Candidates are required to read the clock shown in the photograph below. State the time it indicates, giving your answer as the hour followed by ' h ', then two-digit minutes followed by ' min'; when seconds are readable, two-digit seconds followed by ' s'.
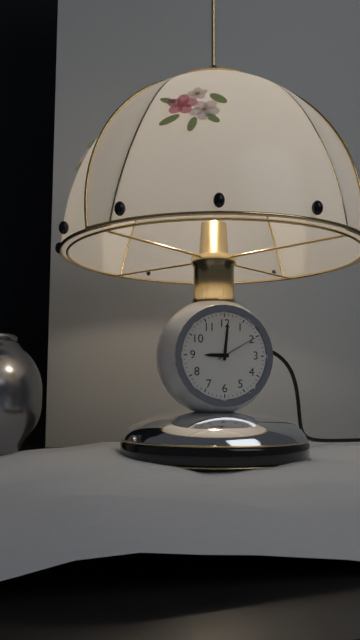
9 h 01 min
